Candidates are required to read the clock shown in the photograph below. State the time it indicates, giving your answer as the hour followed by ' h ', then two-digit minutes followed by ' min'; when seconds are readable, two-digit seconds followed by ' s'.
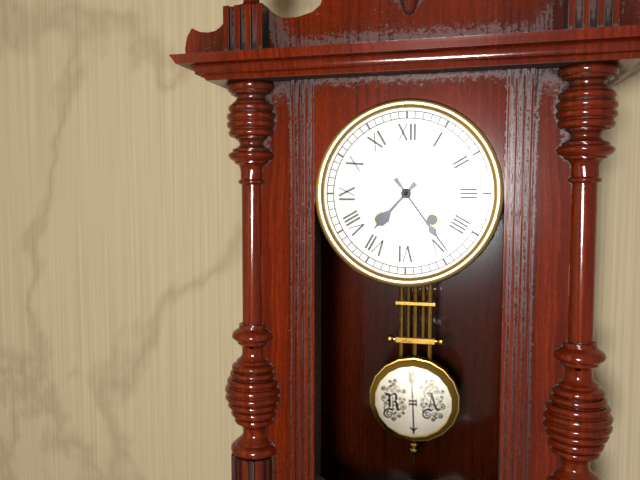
7 h 24 min
